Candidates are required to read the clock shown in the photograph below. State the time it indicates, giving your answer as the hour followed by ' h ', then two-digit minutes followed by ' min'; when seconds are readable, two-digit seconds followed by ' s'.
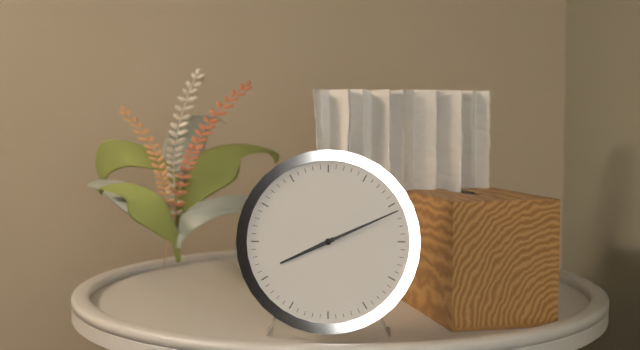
8 h 11 min
